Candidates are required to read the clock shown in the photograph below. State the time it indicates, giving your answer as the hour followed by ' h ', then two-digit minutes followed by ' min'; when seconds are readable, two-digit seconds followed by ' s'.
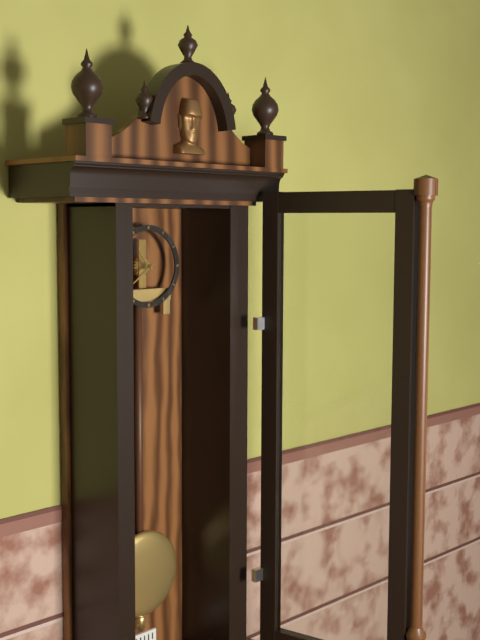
10 h 39 min
